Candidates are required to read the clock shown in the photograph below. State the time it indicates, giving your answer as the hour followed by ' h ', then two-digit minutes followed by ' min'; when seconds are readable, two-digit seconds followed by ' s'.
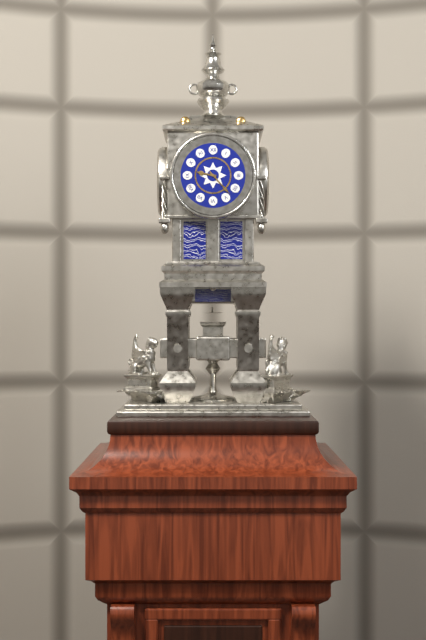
9 h 23 min
